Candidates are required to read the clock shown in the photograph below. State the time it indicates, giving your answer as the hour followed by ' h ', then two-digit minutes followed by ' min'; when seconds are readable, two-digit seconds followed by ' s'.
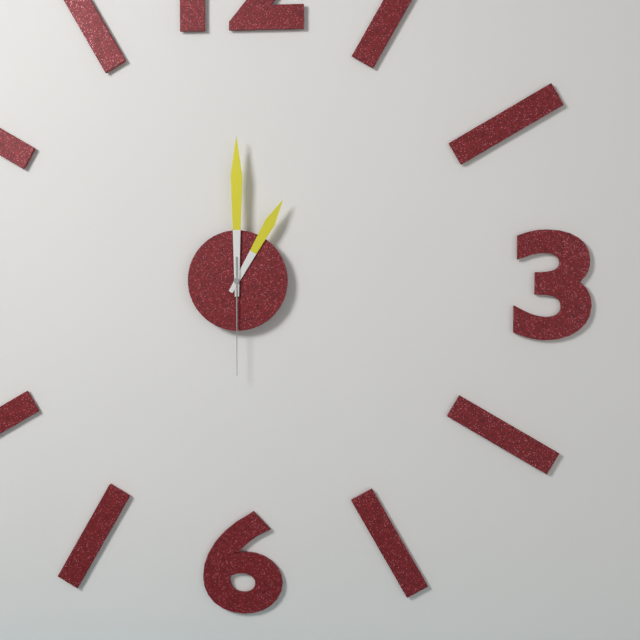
1 h 00 min 30 s
